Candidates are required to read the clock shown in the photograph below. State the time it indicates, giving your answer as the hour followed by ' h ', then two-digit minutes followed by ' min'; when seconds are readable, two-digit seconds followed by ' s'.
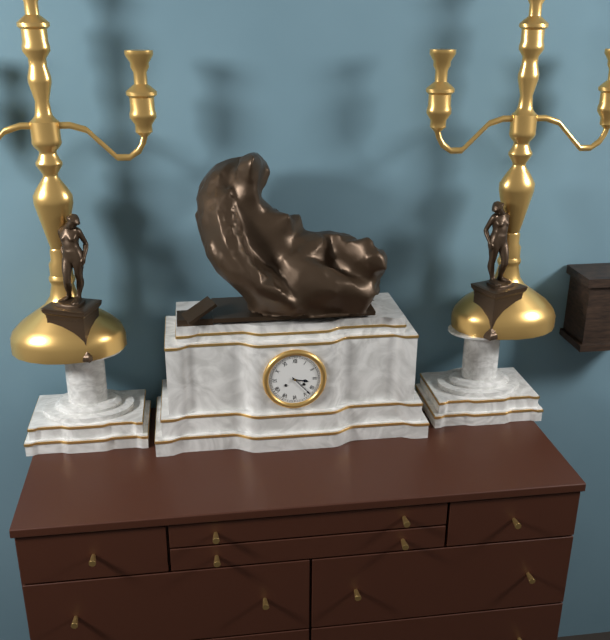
3 h 23 min
